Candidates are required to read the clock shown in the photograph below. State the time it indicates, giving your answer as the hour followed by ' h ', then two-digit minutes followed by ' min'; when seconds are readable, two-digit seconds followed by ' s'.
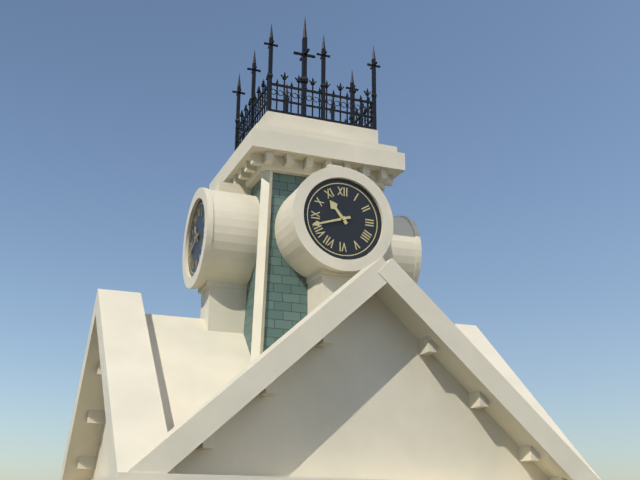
10 h 42 min
